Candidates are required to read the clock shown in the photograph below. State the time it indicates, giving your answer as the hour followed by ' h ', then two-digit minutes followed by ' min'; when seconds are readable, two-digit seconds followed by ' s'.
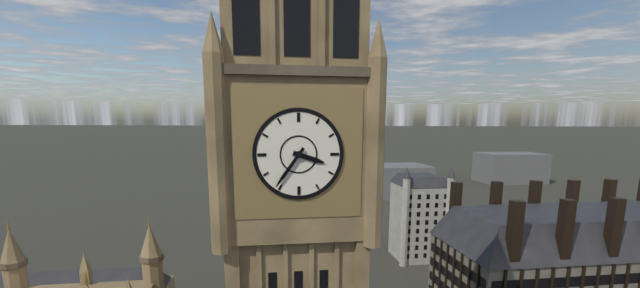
3 h 36 min
